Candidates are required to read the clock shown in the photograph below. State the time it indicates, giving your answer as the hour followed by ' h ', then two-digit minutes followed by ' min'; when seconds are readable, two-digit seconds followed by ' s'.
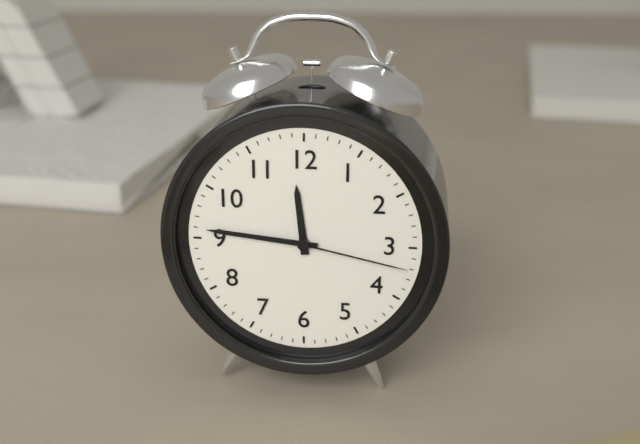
11 h 46 min 17 s
